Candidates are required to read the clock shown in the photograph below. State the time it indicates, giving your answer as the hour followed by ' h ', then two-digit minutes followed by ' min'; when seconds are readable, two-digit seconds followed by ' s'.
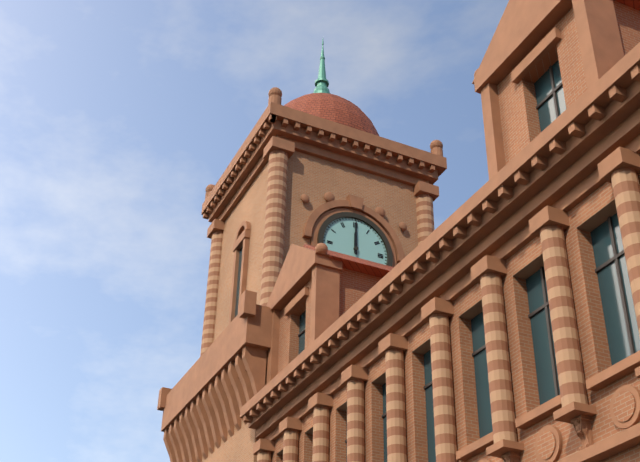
12 h 00 min
